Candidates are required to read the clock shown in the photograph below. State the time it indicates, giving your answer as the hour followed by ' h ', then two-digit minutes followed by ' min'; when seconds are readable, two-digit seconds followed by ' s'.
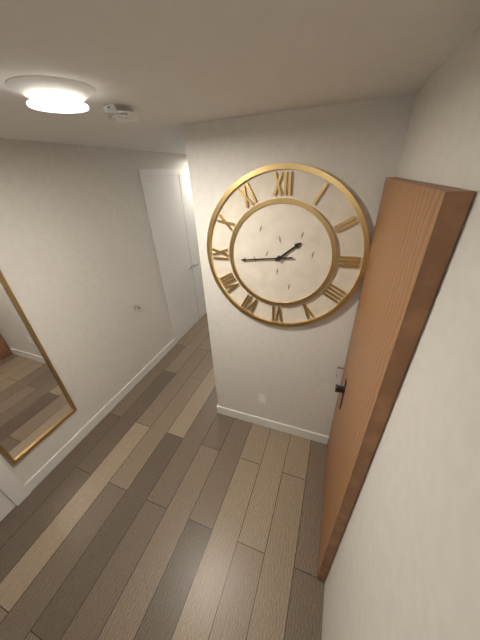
1 h 44 min
